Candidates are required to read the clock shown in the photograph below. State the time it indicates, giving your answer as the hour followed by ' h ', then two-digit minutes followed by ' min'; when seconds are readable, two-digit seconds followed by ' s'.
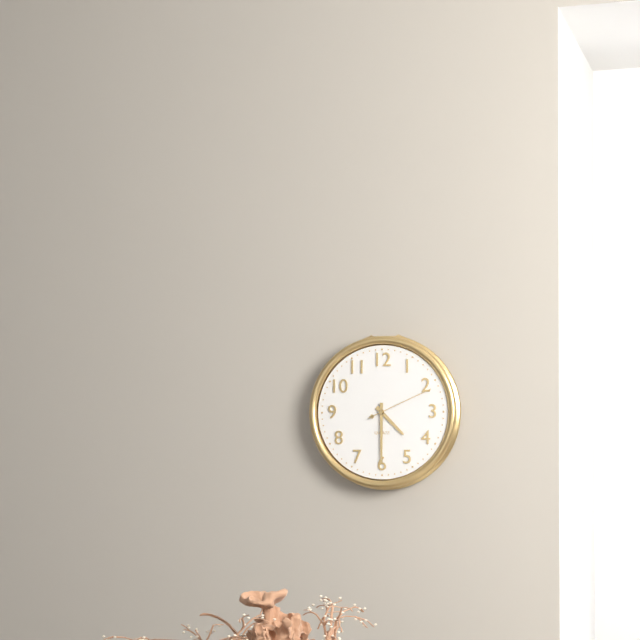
4 h 30 min 11 s
